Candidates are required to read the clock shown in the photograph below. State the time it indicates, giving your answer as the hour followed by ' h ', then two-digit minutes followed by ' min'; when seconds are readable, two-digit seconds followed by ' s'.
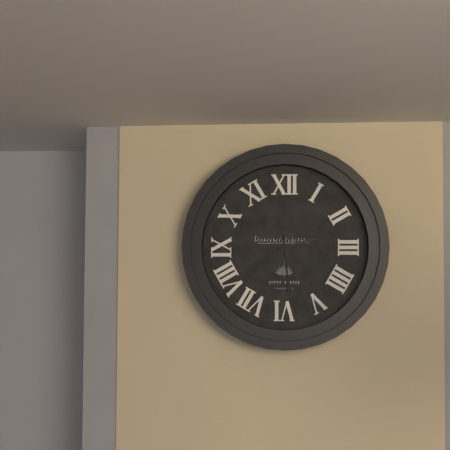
2 h 29 min
